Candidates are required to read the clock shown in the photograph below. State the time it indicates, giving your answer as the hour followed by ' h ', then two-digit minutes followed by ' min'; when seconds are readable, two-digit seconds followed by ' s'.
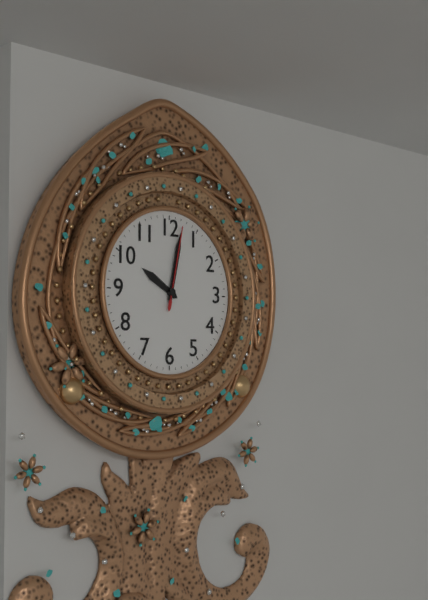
10 h 02 min 02 s
